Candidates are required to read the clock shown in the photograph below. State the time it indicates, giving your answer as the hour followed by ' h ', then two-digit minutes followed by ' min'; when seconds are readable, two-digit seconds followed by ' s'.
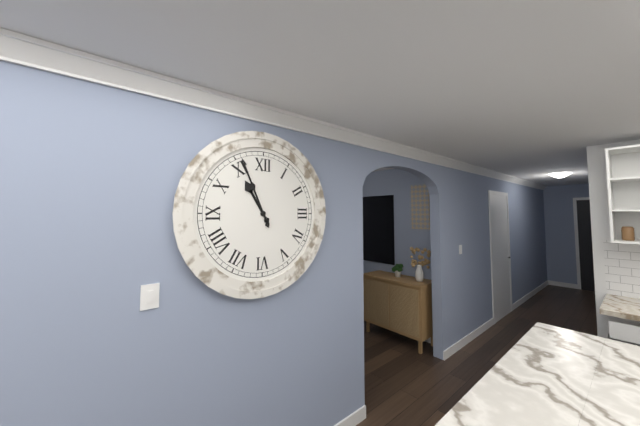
10 h 56 min
